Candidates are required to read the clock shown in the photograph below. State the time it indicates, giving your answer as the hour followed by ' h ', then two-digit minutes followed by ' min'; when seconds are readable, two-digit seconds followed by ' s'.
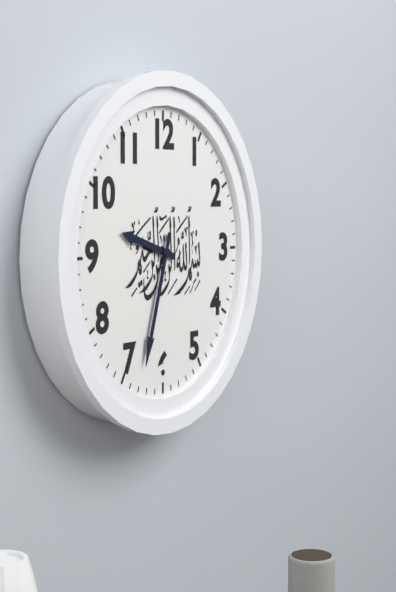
9 h 33 min
